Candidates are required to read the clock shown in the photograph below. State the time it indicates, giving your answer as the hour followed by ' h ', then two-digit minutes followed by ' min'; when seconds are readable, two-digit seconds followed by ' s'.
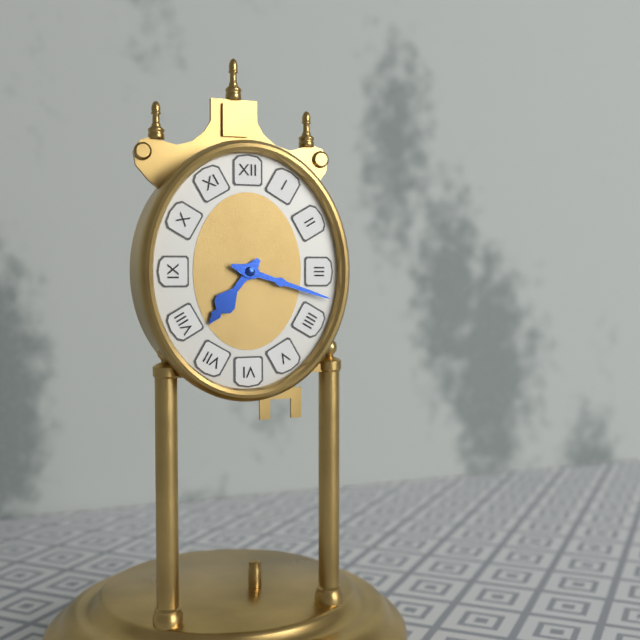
7 h 18 min
